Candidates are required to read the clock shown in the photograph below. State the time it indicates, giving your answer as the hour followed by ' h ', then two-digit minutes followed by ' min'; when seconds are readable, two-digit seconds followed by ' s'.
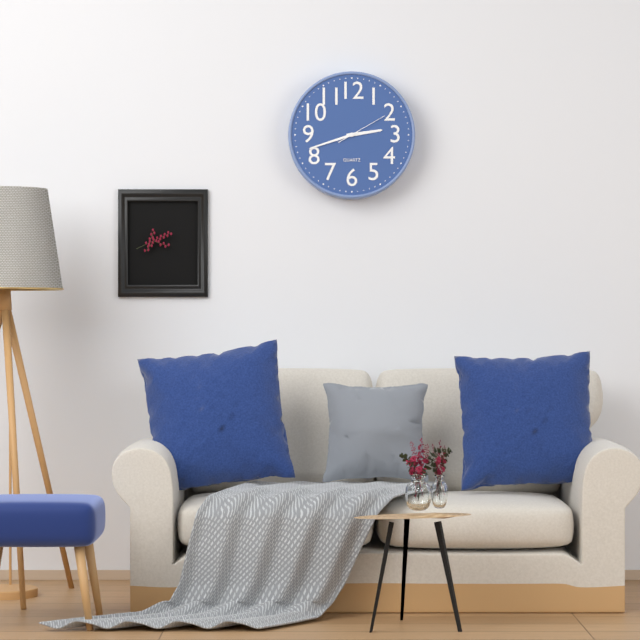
2 h 42 min
